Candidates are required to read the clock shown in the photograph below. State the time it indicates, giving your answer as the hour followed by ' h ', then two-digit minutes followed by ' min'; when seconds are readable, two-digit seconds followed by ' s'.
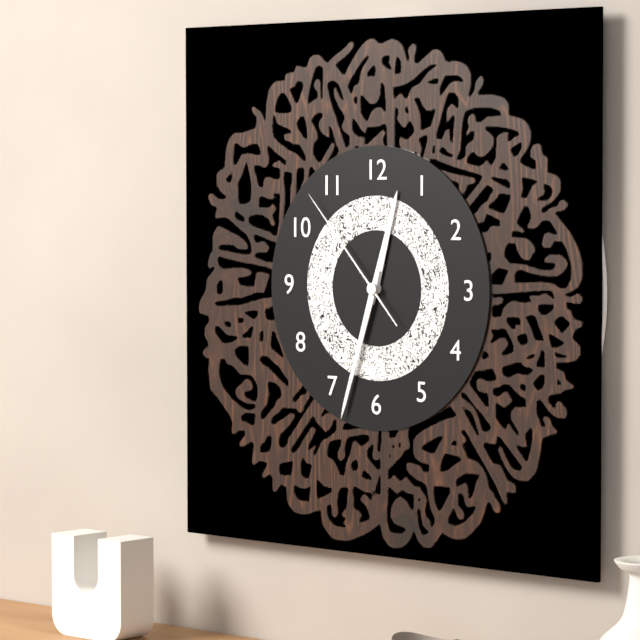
12 h 33 min 53 s
